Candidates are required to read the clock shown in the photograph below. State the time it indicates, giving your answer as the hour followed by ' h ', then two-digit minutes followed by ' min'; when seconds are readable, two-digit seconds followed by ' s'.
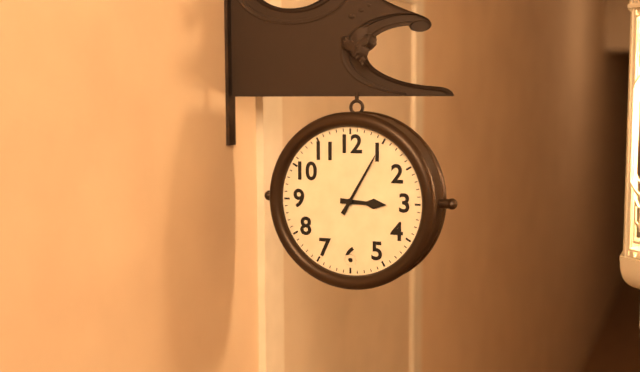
3 h 05 min
